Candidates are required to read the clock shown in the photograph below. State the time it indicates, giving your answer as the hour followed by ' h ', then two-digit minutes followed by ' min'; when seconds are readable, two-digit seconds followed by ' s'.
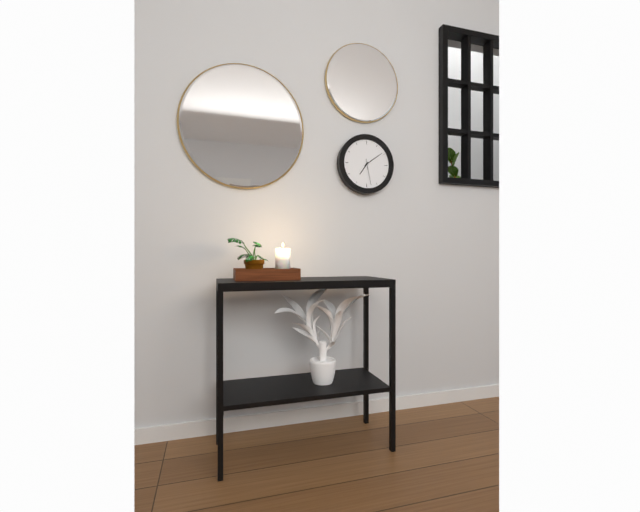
7 h 09 min
